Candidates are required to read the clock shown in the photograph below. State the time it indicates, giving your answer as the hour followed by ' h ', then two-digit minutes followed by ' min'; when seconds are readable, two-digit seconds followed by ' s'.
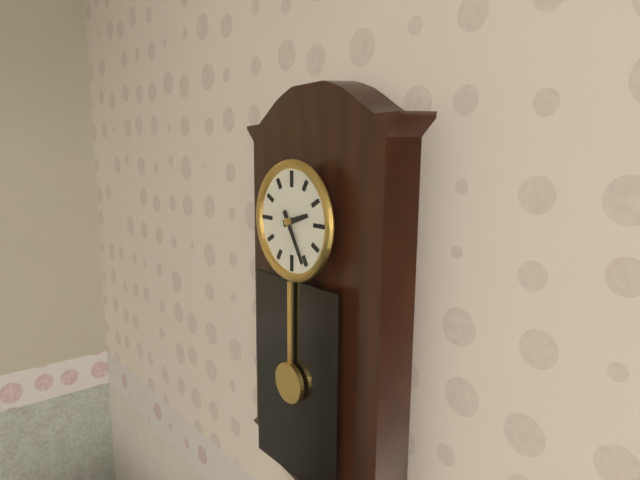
2 h 25 min
